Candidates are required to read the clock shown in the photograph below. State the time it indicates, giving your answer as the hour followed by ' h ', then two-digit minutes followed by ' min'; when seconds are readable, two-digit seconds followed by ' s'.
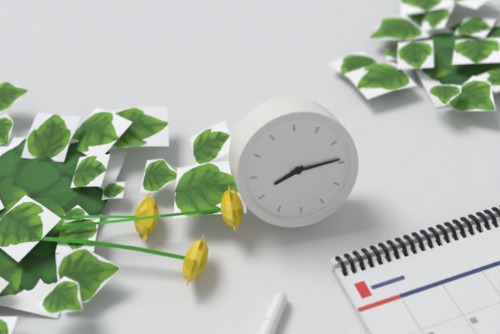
8 h 14 min
